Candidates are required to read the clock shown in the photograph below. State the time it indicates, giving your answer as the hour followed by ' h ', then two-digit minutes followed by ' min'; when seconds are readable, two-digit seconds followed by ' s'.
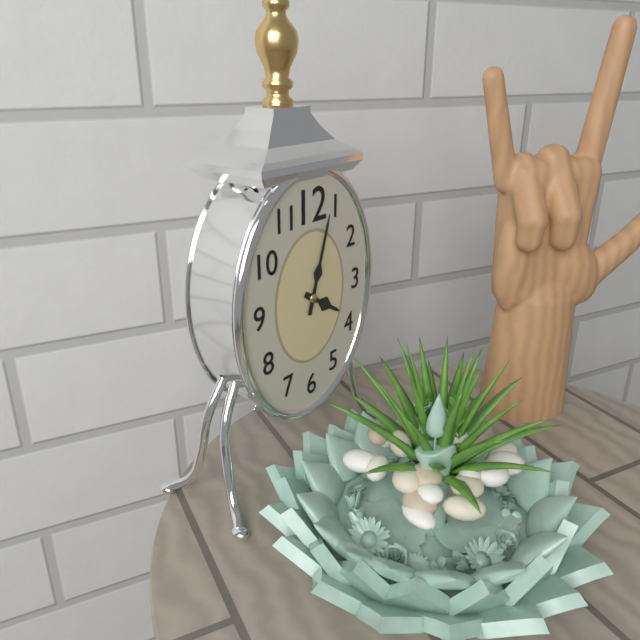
4 h 03 min
